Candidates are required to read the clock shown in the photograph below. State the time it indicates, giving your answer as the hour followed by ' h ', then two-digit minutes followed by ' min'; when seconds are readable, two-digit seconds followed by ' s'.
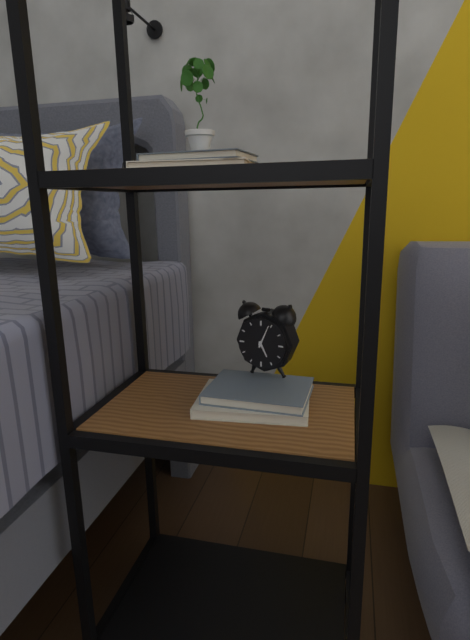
5 h 04 min
